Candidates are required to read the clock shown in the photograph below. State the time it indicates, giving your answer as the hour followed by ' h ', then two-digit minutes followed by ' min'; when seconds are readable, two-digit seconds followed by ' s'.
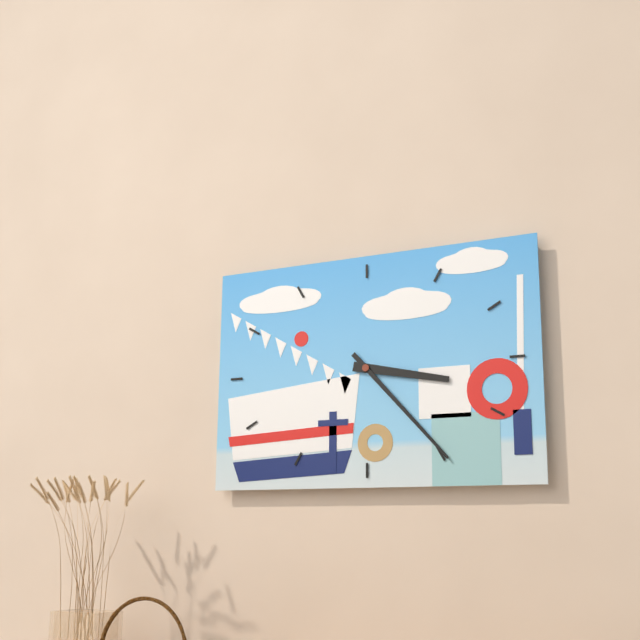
3 h 23 min
